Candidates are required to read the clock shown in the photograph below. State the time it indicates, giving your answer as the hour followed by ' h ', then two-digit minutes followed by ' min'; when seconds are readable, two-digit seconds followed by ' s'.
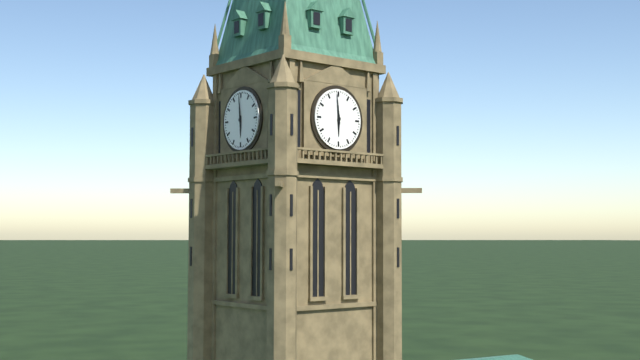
5 h 59 min
